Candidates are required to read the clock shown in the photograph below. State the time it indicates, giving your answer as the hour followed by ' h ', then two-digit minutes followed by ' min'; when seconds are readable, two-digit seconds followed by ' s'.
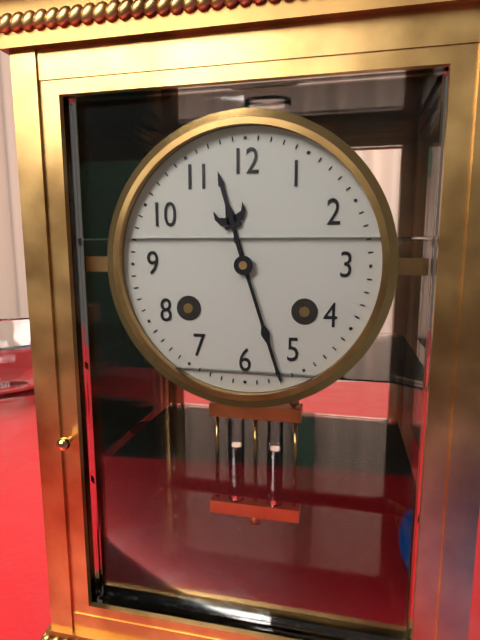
11 h 27 min
